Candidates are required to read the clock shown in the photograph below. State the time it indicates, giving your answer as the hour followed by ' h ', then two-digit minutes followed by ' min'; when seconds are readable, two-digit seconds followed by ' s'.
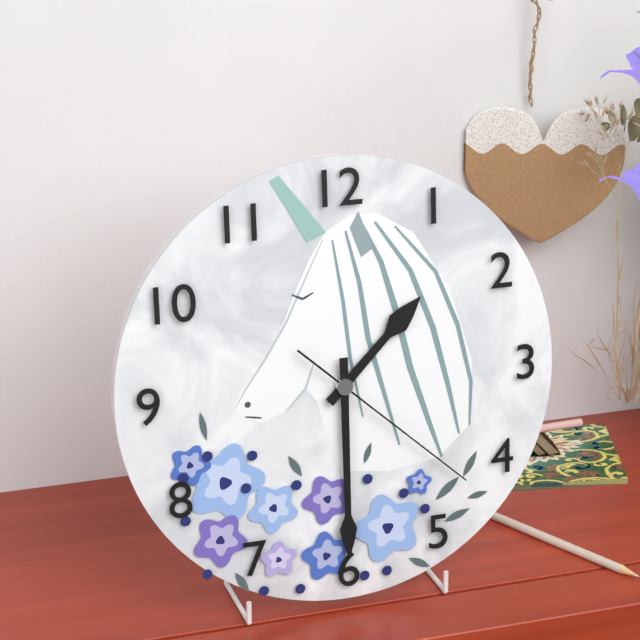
1 h 30 min 22 s
